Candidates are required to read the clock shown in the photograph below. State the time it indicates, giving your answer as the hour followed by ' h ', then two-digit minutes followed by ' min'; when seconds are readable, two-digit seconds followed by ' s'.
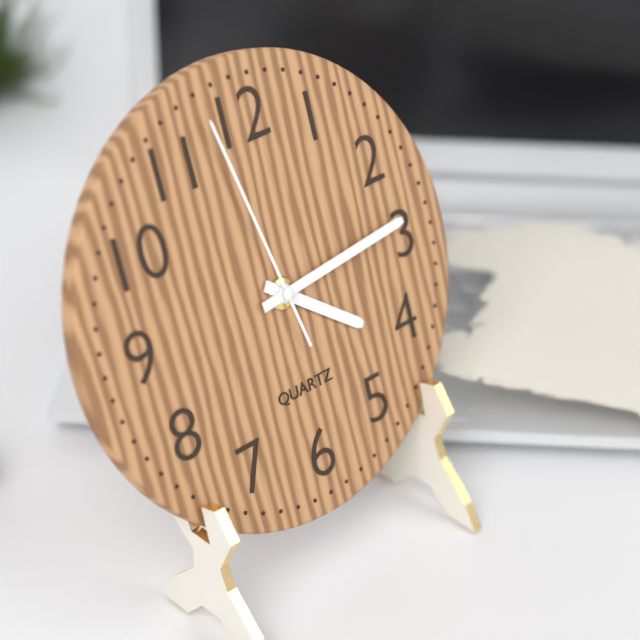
4 h 14 min 58 s
